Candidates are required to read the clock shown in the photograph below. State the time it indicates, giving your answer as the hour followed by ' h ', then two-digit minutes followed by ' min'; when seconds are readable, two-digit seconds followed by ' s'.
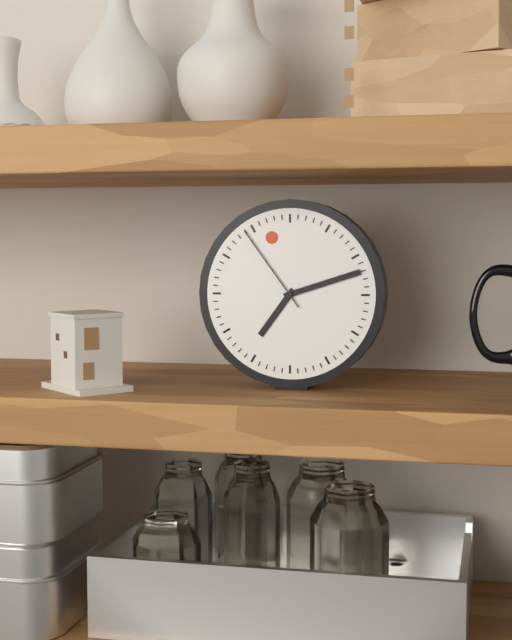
7 h 12 min 54 s
